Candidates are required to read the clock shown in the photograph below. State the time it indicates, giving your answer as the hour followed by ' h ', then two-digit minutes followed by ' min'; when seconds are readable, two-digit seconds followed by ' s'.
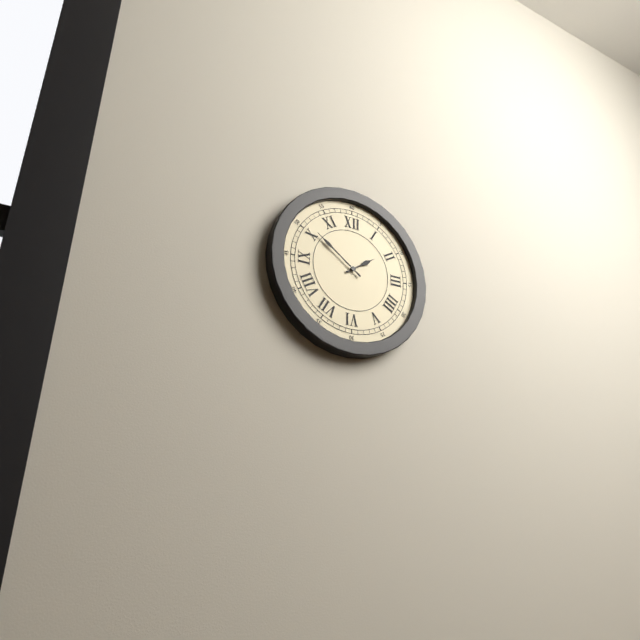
1 h 51 min
